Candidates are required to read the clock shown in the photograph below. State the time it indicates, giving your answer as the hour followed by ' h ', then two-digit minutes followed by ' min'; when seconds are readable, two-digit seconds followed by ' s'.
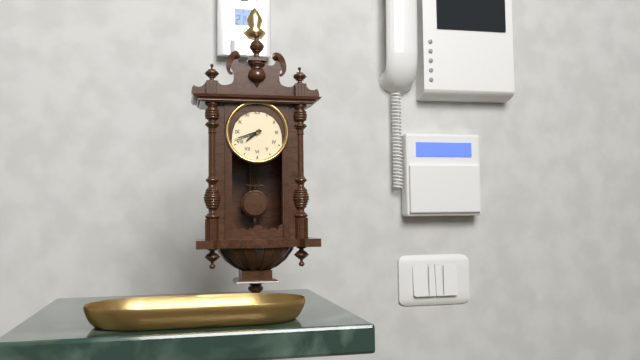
7 h 42 min
